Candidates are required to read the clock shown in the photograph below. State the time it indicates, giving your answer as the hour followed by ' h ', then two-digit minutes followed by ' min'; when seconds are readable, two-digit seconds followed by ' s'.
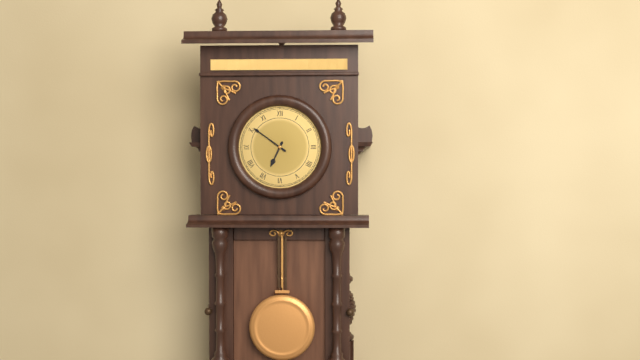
6 h 51 min
